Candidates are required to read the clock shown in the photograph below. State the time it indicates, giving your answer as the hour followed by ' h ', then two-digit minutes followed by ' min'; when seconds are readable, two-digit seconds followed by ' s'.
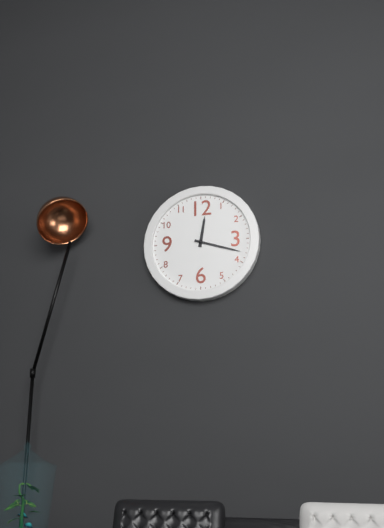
12 h 18 min
